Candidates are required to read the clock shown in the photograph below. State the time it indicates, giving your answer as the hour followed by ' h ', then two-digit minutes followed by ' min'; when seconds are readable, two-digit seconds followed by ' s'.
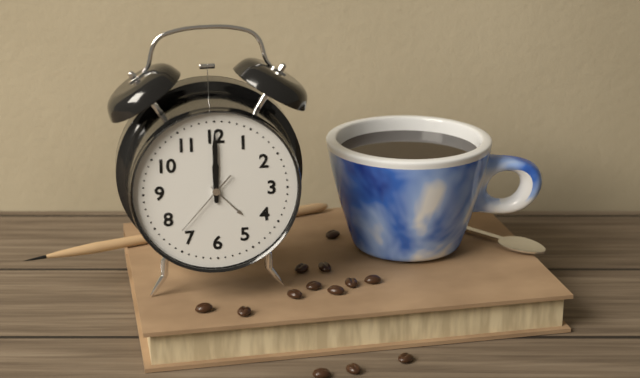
12 h 00 min 37 s
